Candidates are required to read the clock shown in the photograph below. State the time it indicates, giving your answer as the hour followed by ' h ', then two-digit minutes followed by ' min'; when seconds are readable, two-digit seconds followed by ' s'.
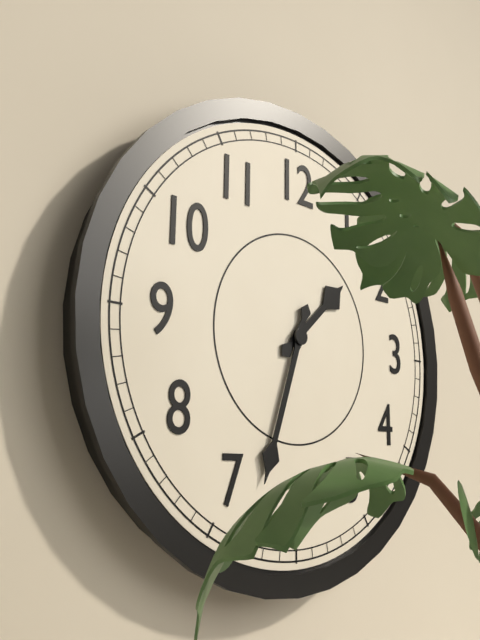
1 h 33 min
